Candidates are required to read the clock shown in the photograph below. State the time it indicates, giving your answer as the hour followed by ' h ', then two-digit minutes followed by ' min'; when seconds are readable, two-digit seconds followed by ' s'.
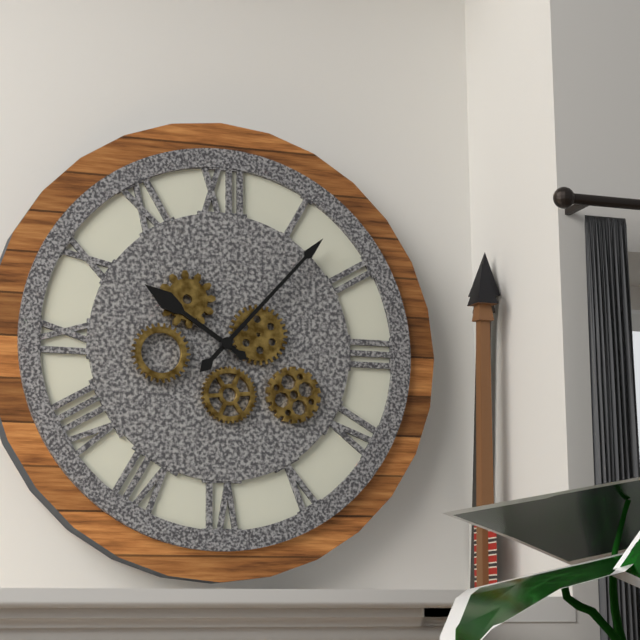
10 h 07 min
